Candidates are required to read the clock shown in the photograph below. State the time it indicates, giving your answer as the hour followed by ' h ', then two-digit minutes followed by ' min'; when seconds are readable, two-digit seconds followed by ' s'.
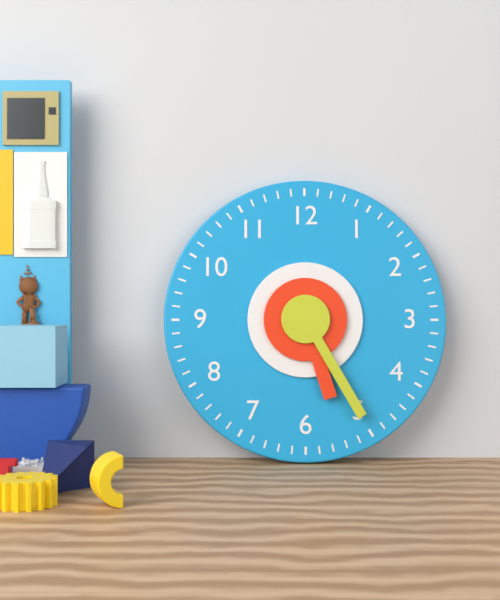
5 h 25 min
